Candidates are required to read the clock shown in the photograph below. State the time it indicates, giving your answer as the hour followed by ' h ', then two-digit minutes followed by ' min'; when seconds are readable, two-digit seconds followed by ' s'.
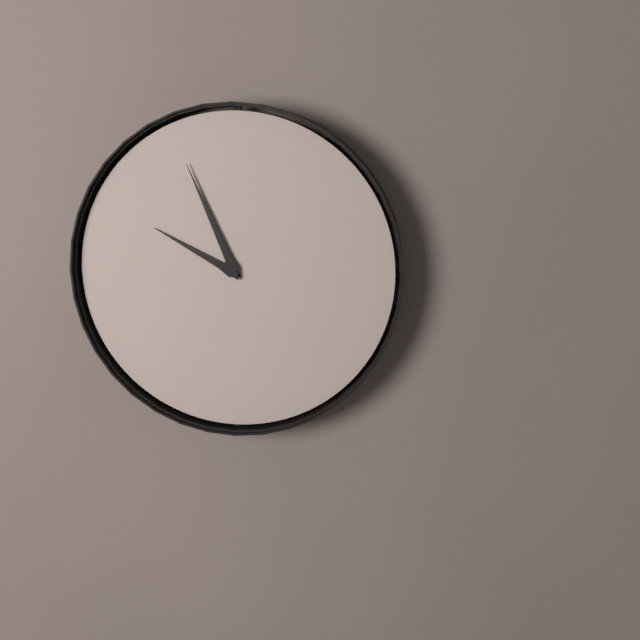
9 h 56 min
